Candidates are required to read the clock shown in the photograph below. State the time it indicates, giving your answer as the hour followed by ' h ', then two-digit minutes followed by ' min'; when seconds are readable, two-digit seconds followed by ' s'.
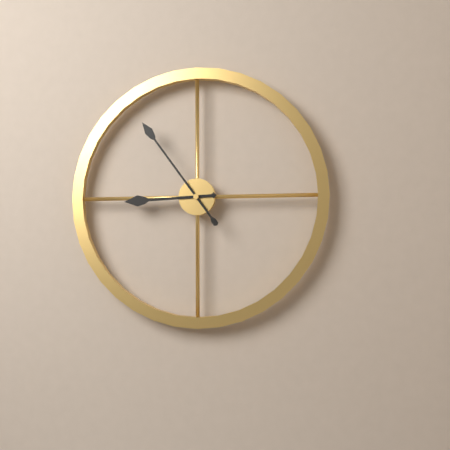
8 h 54 min
